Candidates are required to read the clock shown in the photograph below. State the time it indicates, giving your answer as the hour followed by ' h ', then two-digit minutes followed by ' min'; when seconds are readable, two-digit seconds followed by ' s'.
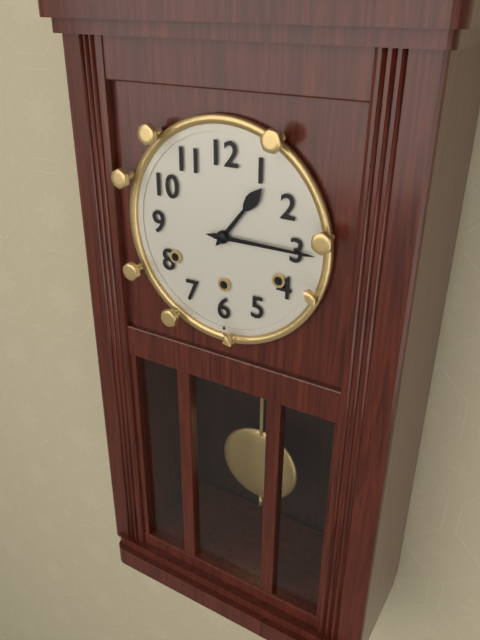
1 h 15 min
